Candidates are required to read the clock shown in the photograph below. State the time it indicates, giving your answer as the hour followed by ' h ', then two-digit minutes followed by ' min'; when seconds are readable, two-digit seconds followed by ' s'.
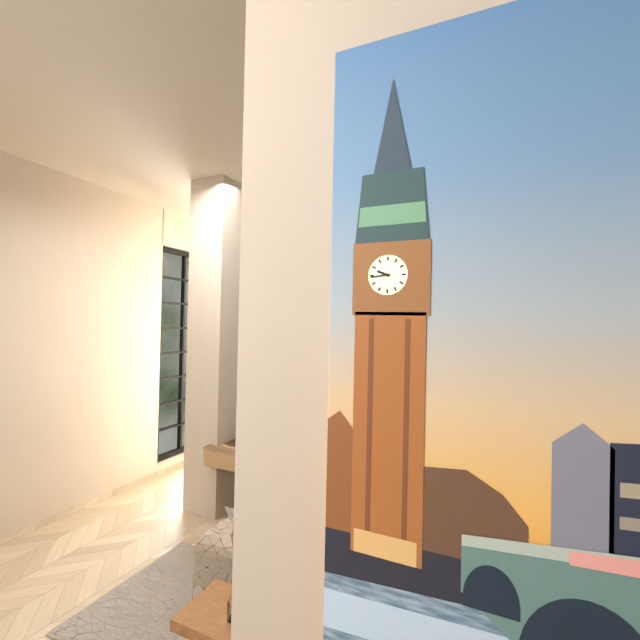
9 h 44 min
